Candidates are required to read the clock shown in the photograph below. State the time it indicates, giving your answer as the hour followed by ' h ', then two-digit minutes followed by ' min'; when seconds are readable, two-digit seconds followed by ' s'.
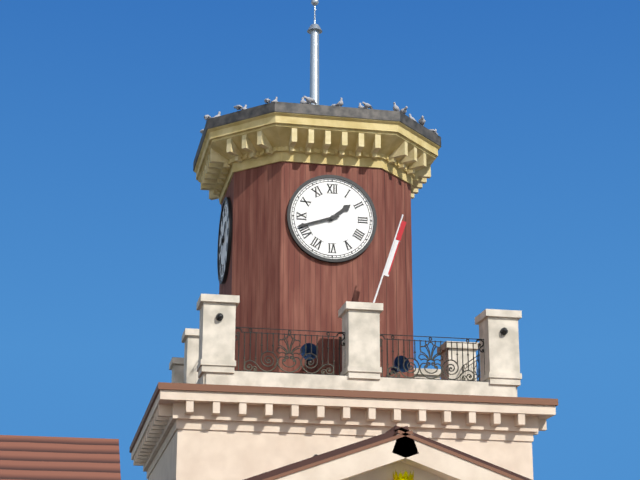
1 h 42 min
